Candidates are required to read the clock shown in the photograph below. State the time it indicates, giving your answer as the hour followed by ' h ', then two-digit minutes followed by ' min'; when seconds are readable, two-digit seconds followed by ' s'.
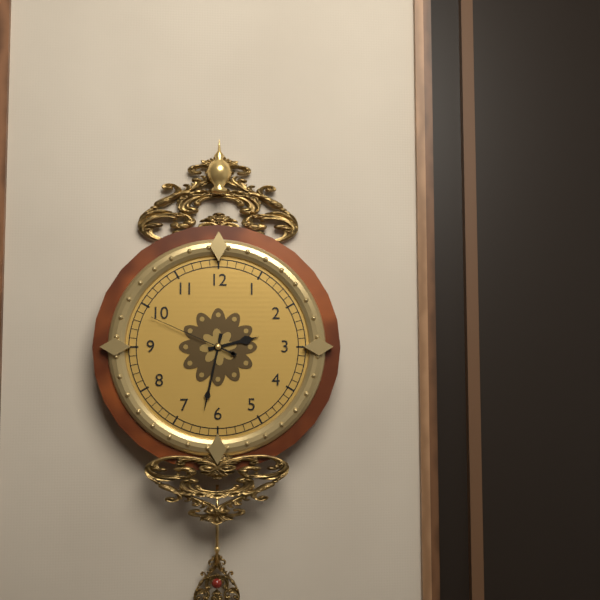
2 h 32 min 49 s
